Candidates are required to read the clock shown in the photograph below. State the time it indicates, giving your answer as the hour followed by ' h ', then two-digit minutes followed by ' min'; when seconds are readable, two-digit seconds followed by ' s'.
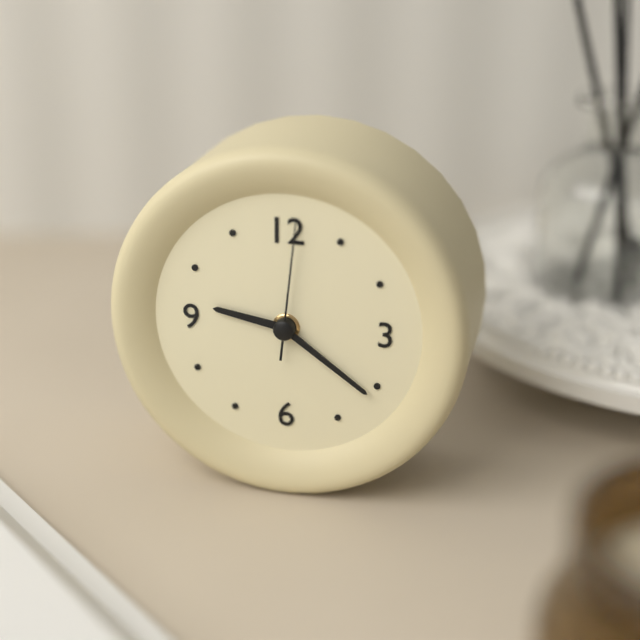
9 h 21 min 01 s
